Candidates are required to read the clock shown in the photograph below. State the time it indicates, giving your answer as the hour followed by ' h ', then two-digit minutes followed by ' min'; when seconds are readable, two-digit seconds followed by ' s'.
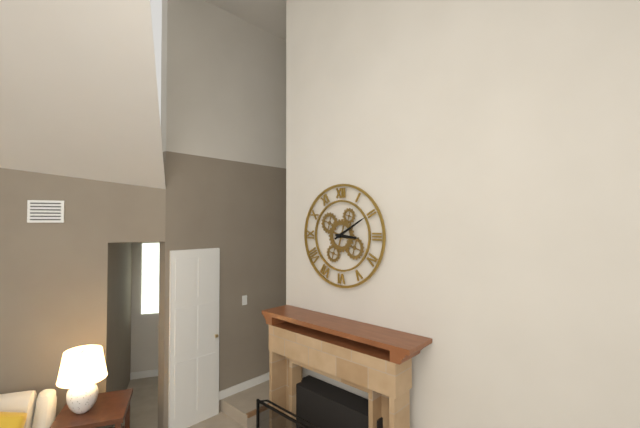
3 h 10 min
